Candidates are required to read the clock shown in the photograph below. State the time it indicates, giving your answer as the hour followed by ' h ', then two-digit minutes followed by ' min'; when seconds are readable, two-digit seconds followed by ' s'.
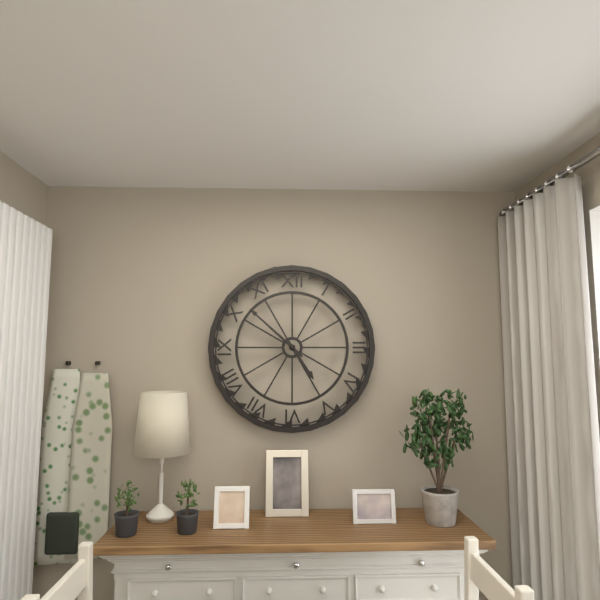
4 h 52 min
